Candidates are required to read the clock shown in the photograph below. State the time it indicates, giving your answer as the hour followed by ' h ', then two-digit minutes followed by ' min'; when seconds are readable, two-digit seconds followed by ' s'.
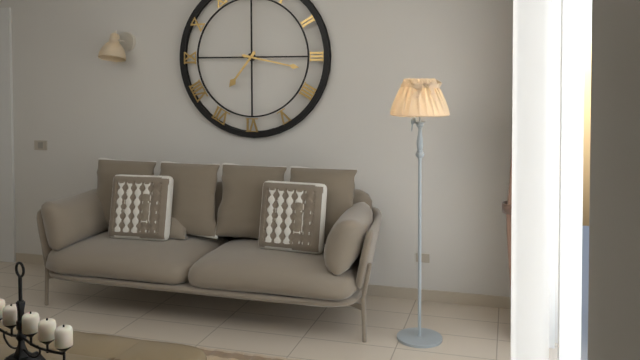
7 h 17 min
